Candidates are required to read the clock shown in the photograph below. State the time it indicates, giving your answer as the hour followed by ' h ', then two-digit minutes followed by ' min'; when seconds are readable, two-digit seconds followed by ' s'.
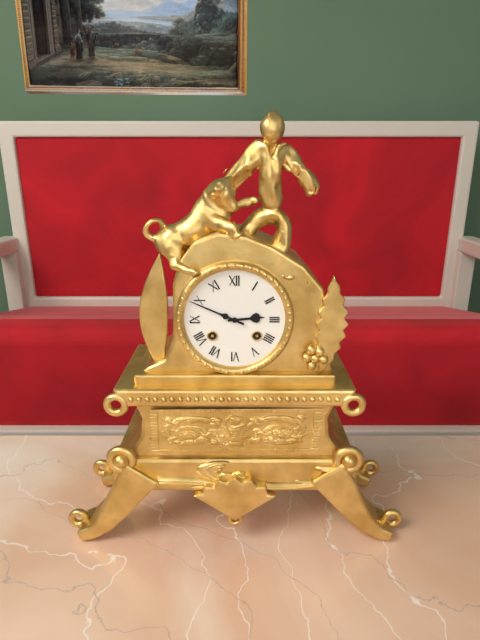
2 h 49 min
